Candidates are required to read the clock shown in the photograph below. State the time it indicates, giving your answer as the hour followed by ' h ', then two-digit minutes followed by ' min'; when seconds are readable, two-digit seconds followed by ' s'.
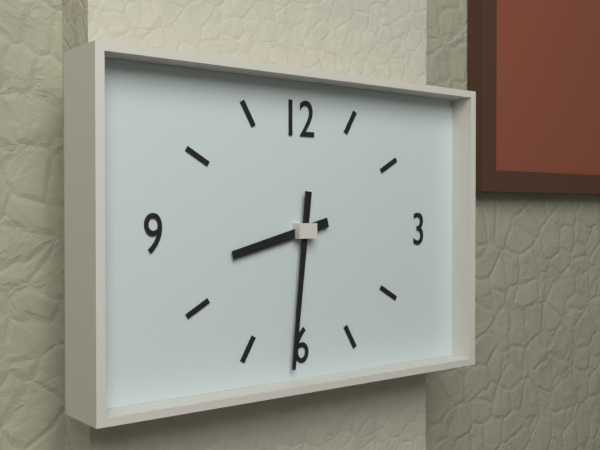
8 h 31 min
